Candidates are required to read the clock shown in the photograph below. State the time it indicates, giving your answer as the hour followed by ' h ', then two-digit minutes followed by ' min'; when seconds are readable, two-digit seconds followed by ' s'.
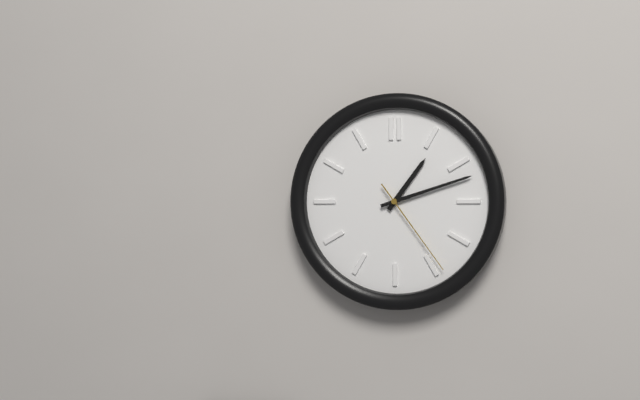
1 h 12 min 24 s
